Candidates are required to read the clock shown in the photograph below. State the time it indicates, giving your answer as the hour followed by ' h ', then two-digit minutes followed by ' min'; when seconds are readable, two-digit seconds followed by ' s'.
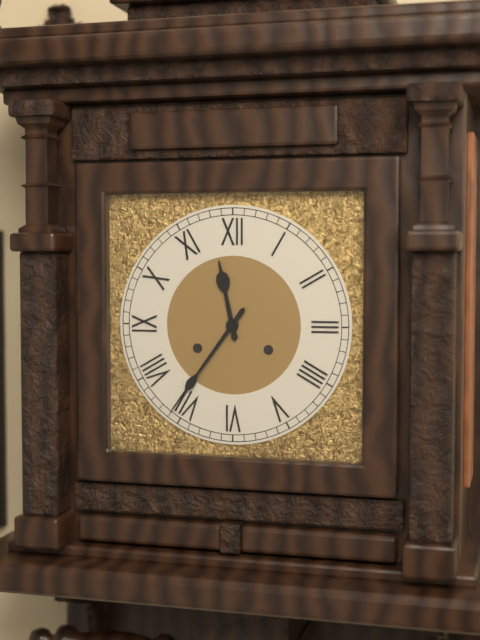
11 h 36 min
